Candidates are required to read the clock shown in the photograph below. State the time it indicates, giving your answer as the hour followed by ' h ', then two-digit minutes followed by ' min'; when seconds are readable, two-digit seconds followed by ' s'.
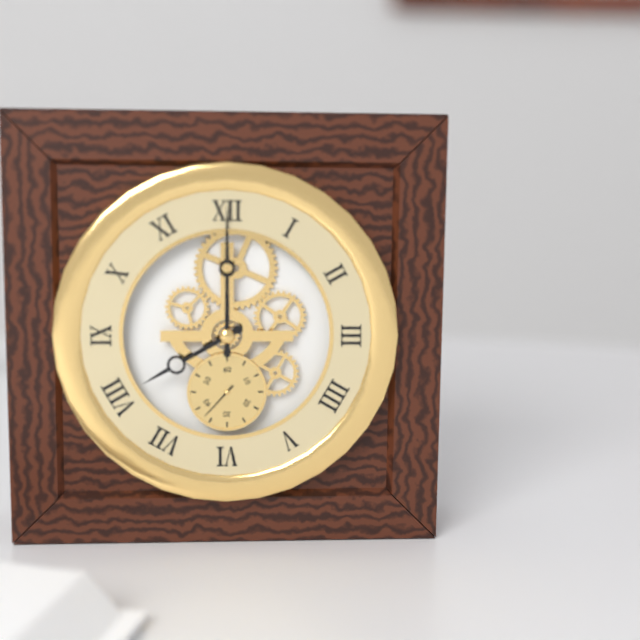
8 h 00 min 37 s
